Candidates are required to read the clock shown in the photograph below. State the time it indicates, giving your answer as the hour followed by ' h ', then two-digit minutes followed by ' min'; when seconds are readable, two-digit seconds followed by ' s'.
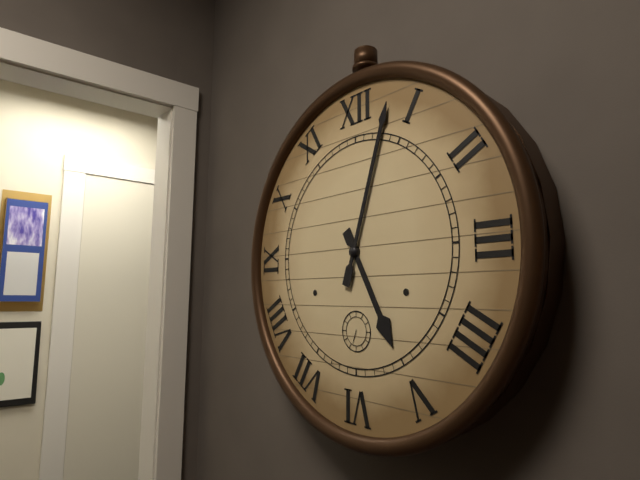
5 h 03 min
